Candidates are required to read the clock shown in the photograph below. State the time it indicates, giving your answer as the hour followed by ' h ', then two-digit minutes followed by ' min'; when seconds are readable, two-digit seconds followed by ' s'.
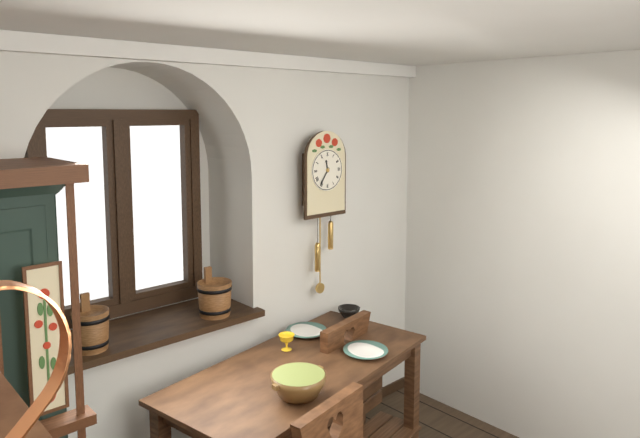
11 h 36 min
